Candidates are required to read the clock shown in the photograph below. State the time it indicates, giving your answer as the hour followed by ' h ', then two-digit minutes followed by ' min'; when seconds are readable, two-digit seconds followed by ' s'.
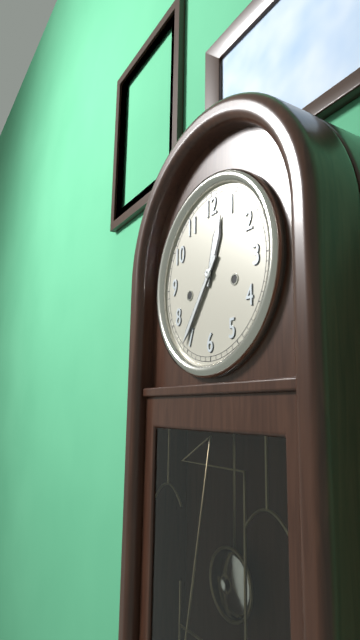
12 h 36 min
